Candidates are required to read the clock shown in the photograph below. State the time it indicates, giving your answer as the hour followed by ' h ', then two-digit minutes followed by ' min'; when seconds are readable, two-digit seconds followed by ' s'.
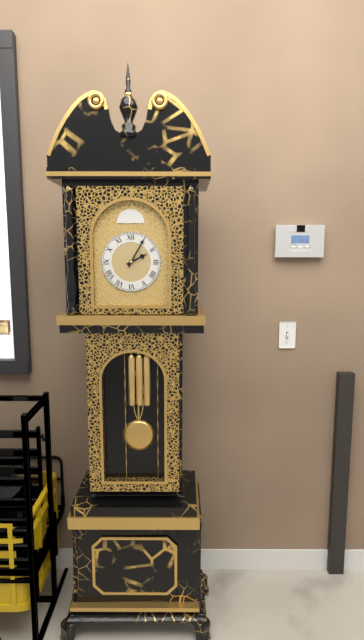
2 h 05 min
